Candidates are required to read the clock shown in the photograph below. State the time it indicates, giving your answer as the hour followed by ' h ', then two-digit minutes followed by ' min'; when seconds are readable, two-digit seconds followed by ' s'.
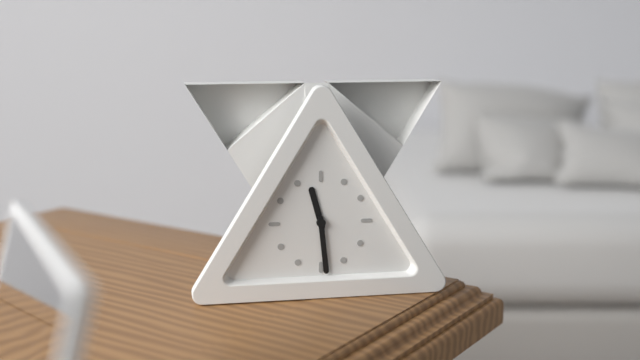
11 h 29 min
